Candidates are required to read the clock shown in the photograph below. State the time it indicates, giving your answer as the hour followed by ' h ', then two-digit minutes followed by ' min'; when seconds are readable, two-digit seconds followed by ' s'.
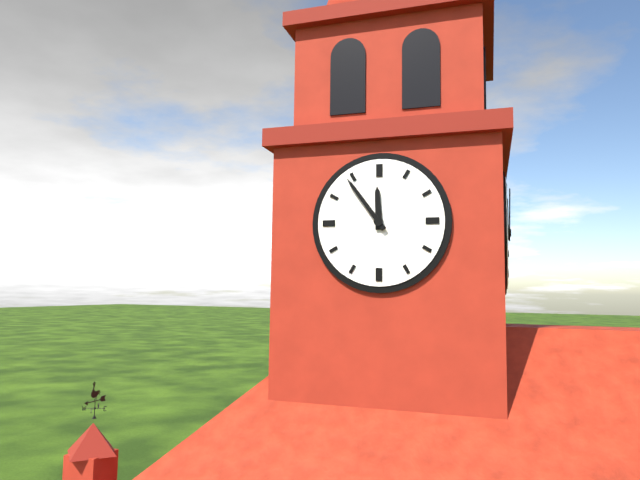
11 h 54 min
